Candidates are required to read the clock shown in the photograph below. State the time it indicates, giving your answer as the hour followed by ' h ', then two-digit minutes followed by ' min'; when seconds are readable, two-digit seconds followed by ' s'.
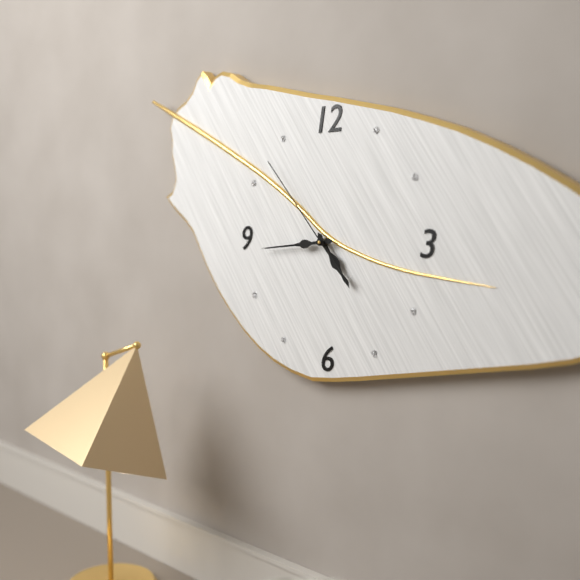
4 h 44 min 53 s
